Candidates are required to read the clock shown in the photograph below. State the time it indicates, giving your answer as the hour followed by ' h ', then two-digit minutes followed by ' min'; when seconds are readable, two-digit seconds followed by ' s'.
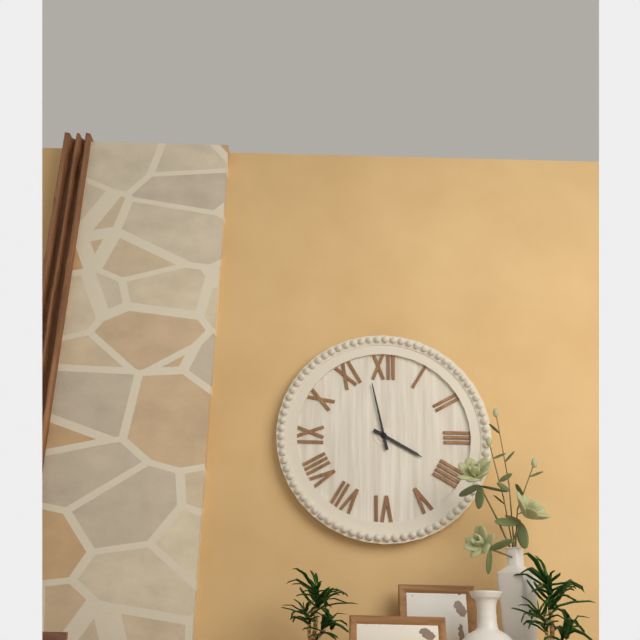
3 h 58 min
